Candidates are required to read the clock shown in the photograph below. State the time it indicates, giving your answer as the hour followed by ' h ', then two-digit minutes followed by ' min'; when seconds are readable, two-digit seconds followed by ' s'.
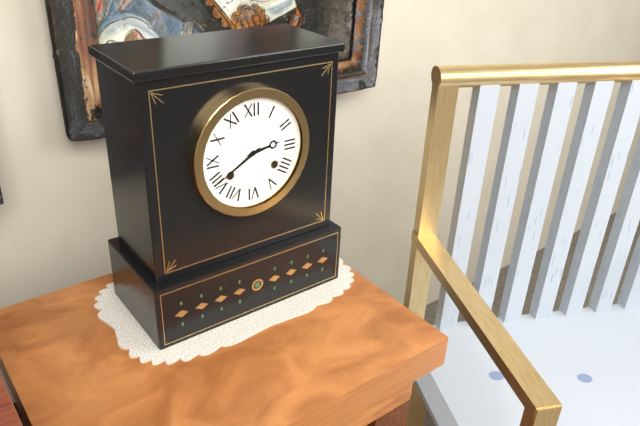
2 h 40 min
